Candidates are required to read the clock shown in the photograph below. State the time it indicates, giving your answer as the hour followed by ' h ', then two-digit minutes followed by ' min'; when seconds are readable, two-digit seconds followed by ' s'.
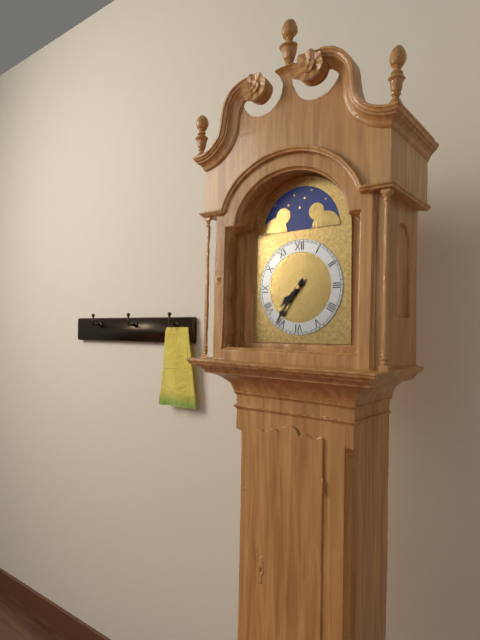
7 h 36 min
